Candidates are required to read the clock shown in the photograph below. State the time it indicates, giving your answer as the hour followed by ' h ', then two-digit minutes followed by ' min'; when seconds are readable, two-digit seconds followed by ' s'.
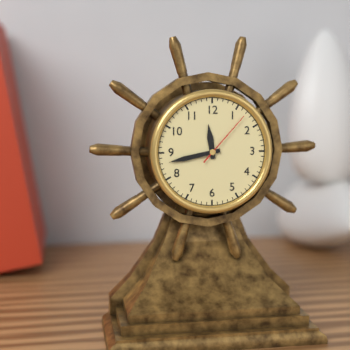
11 h 43 min 07 s
